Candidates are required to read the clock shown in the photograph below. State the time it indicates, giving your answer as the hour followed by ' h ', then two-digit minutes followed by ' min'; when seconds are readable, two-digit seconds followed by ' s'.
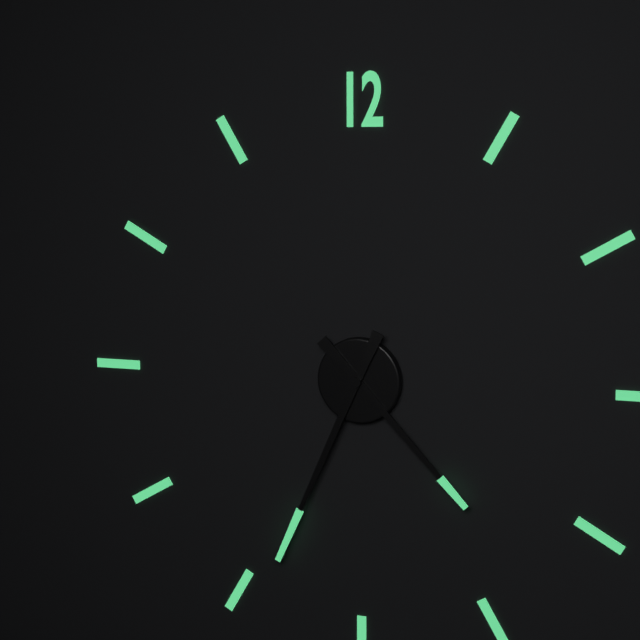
4 h 34 min
